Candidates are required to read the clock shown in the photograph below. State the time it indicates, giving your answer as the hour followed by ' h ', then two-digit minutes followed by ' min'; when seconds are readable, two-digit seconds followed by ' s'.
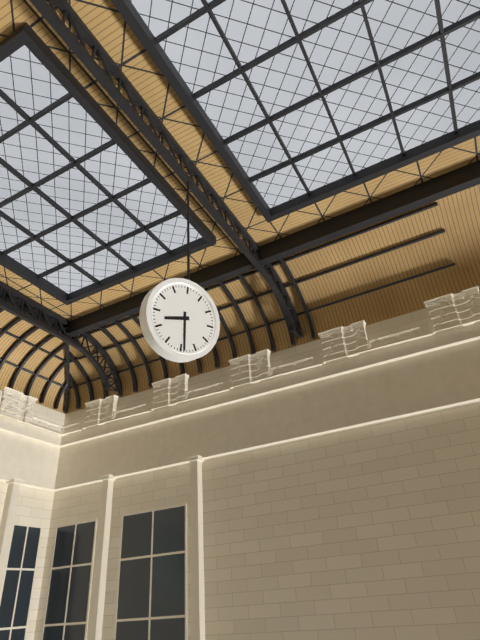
8 h 29 min
